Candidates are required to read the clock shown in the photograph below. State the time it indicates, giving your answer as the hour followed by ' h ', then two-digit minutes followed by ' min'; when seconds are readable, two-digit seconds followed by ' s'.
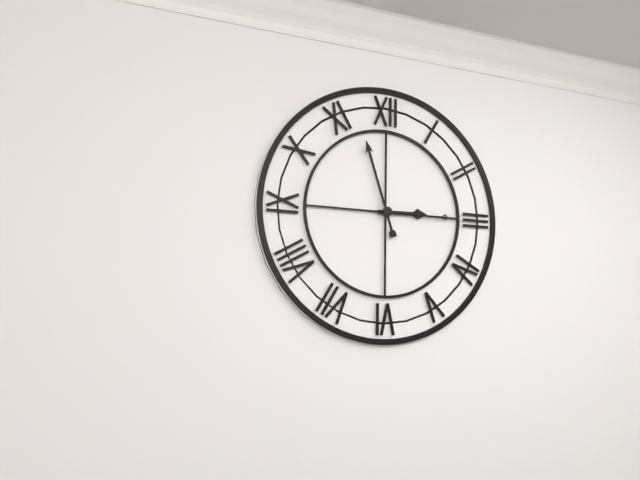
2 h 57 min 15 s
